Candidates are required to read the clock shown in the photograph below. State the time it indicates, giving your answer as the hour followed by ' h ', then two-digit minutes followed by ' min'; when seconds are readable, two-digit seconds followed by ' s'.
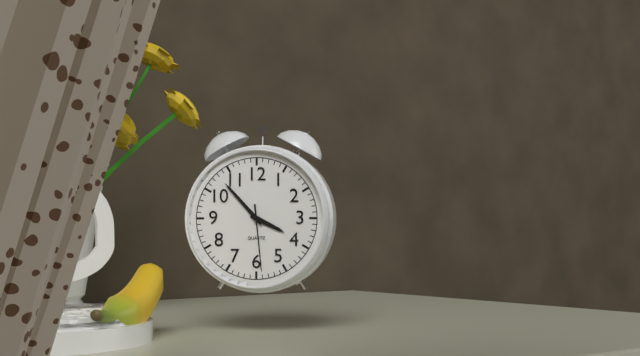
3 h 53 min 29 s
